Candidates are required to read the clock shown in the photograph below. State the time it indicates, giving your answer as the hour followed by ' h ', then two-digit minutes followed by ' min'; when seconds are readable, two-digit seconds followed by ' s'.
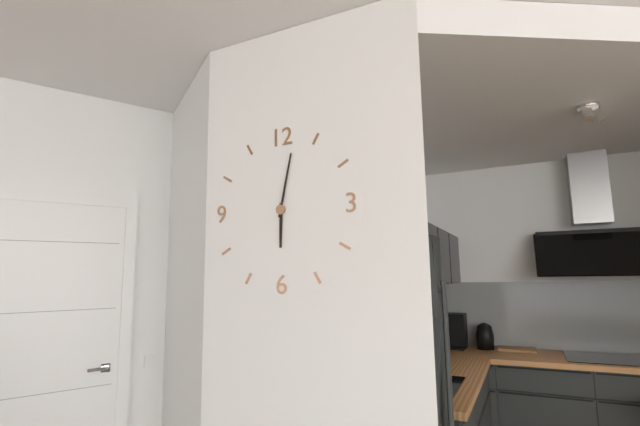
6 h 02 min
